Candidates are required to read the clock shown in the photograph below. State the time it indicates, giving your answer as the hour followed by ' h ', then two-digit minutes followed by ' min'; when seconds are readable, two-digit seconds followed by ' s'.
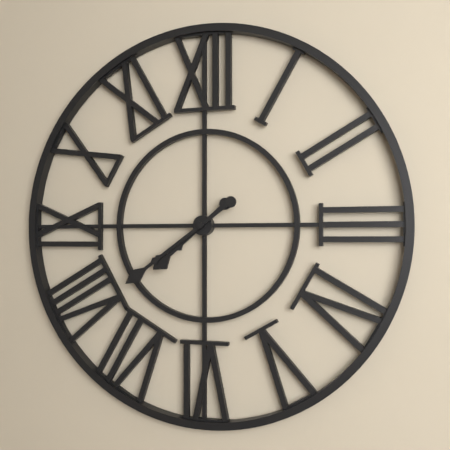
7 h 39 min
